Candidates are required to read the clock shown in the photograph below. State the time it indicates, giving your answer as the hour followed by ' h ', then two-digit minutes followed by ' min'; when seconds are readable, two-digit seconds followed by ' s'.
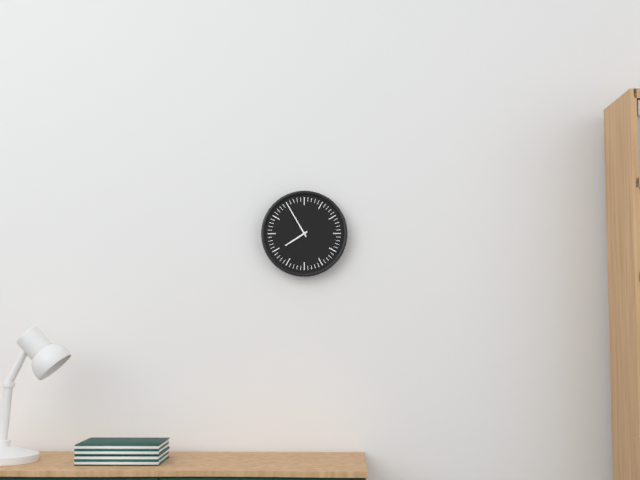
7 h 55 min
